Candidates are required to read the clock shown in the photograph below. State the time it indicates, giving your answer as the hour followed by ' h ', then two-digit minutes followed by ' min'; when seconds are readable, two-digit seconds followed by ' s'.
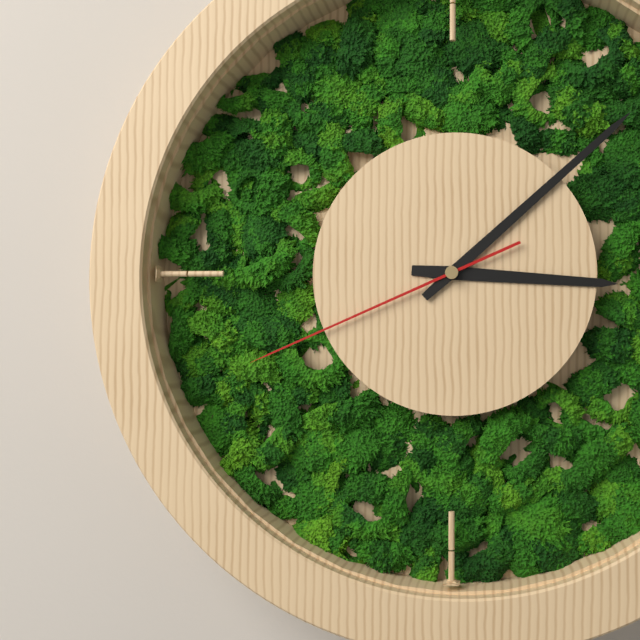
3 h 08 min 41 s
